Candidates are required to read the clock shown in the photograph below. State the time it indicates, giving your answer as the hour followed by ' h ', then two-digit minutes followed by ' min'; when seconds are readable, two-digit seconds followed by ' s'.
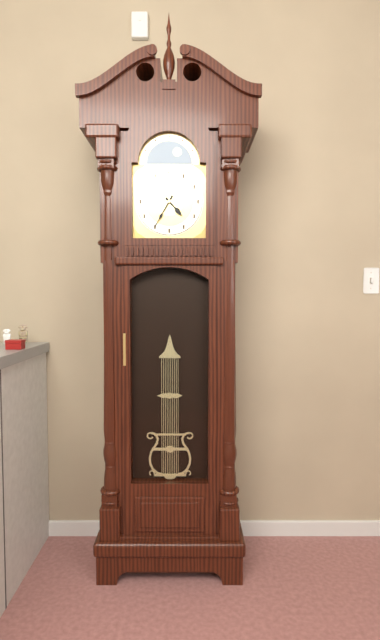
4 h 35 min
